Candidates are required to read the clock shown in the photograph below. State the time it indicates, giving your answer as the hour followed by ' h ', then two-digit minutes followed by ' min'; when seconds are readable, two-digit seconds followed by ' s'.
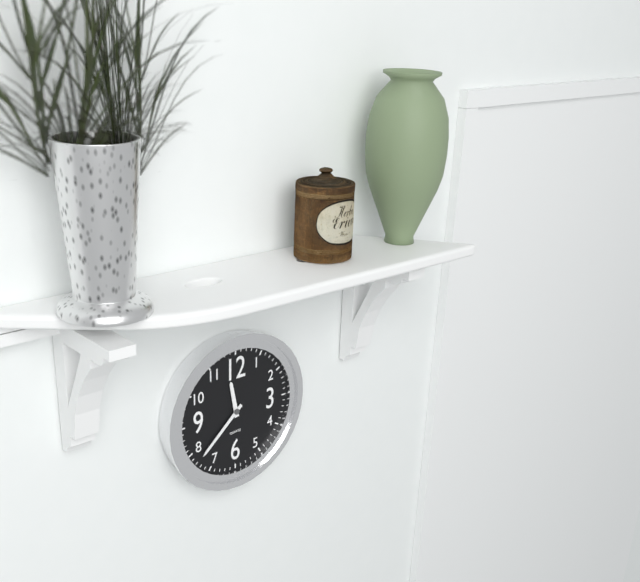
11 h 38 min
